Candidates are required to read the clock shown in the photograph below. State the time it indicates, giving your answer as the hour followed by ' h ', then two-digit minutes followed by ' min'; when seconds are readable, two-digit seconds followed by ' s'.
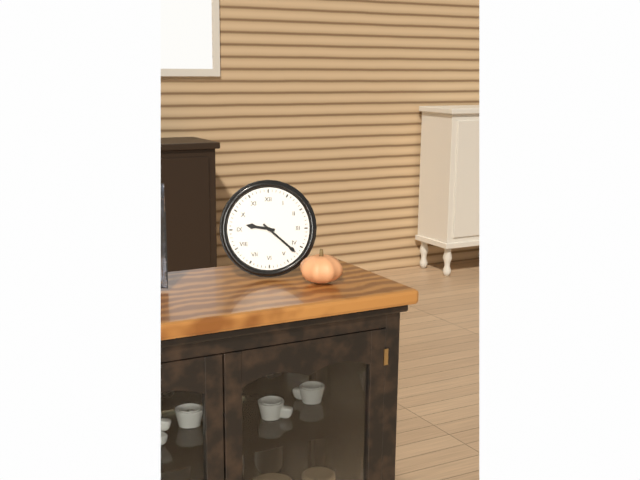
9 h 22 min
